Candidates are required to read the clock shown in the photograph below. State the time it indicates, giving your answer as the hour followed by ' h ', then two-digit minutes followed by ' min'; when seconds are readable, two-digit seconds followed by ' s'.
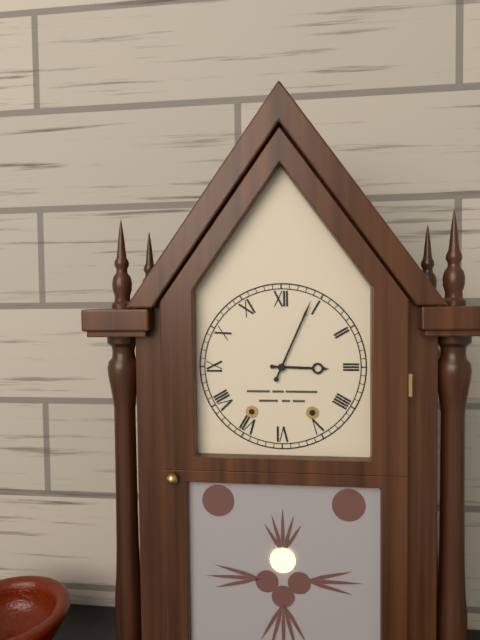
3 h 04 min
